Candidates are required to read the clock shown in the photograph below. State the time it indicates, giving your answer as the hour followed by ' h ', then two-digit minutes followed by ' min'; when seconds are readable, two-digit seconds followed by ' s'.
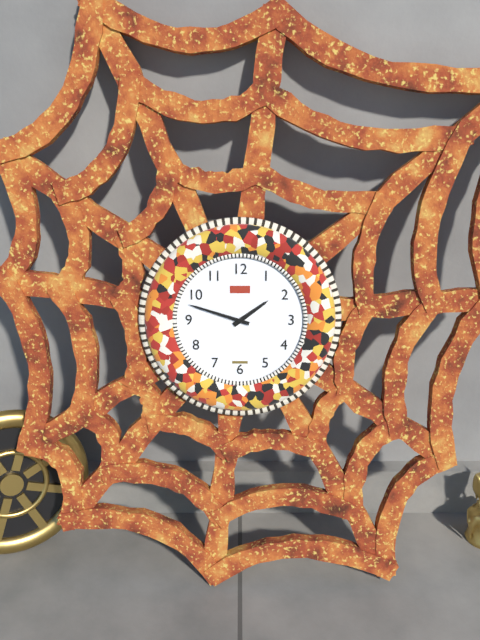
1 h 48 min
